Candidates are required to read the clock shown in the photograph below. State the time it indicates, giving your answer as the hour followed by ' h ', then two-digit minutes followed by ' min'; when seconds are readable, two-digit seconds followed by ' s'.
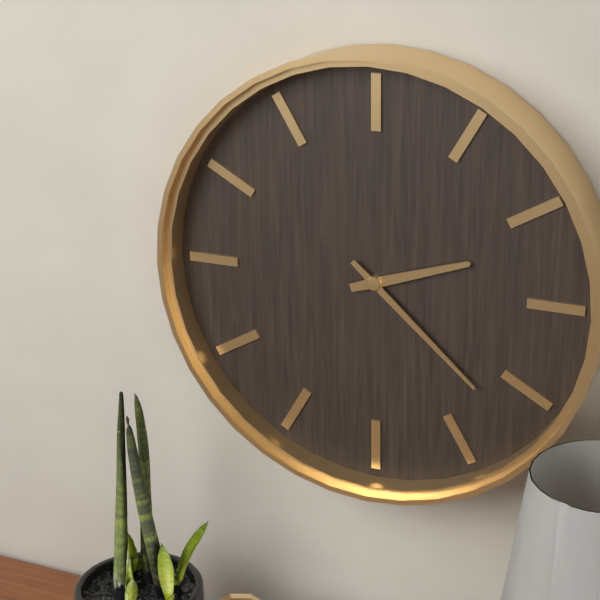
2 h 22 min
